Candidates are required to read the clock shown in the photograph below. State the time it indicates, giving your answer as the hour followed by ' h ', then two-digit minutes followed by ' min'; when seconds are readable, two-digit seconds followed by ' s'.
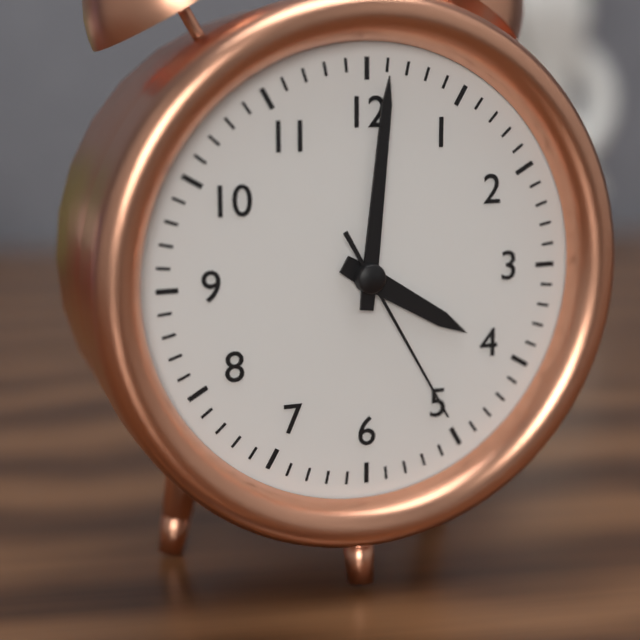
4 h 01 min 25 s
